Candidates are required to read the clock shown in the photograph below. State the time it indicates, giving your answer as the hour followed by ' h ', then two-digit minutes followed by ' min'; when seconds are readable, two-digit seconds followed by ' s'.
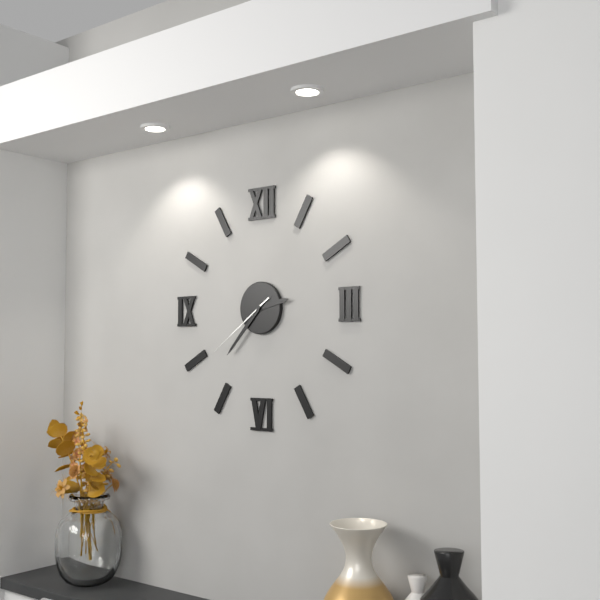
2 h 37 min 39 s
